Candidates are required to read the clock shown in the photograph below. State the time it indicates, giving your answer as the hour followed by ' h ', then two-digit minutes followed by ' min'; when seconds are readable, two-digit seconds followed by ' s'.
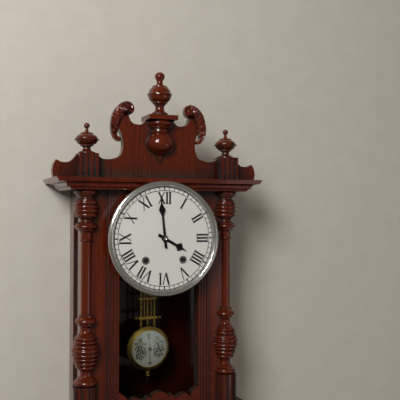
3 h 59 min
